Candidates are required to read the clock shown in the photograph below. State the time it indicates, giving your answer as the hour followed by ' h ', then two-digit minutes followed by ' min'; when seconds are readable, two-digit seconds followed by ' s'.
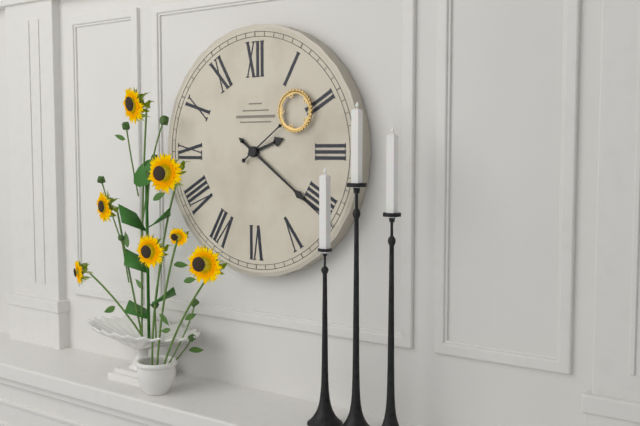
2 h 21 min 09 s
